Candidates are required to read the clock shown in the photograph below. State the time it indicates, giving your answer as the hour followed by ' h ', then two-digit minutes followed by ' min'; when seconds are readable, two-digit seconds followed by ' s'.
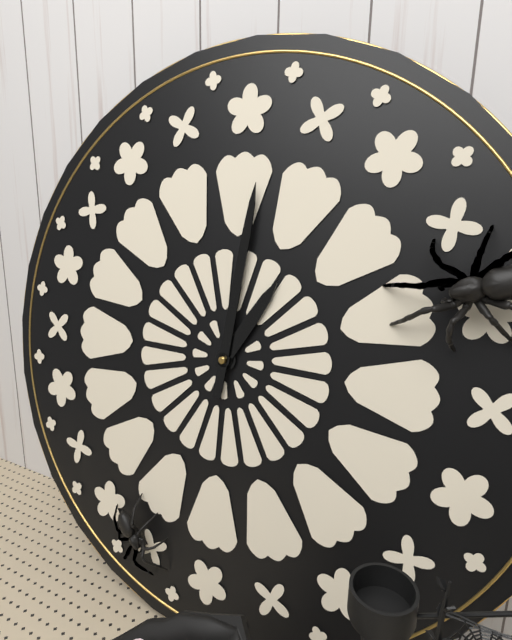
1 h 01 min
